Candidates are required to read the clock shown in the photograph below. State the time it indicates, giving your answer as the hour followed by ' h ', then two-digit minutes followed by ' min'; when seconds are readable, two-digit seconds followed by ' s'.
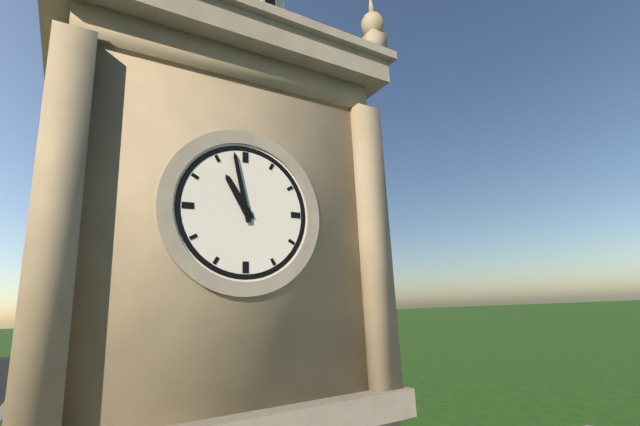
10 h 58 min
